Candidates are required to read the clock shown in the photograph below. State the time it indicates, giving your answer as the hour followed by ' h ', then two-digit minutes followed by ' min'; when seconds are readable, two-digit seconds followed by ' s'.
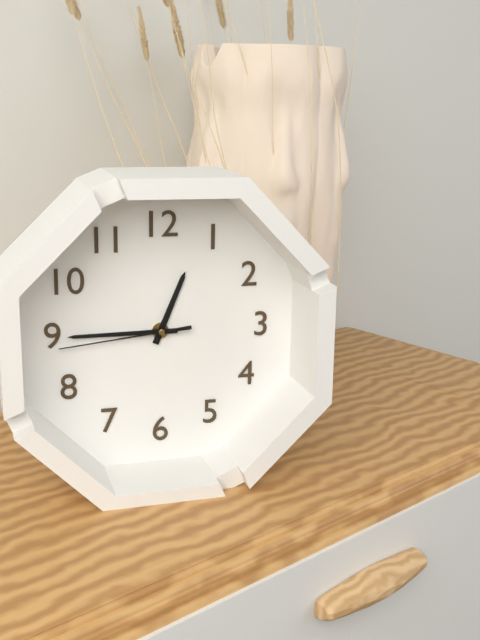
12 h 45 min 44 s
